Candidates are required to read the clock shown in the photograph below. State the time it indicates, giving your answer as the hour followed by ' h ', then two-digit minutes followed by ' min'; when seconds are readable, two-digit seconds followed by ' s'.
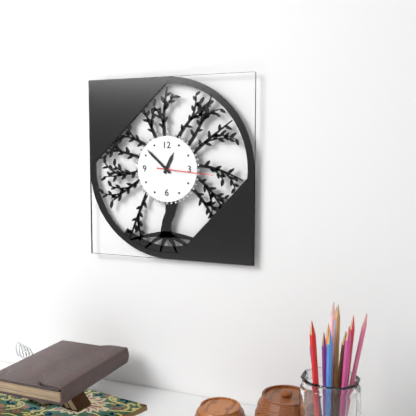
12 h 52 min 16 s
